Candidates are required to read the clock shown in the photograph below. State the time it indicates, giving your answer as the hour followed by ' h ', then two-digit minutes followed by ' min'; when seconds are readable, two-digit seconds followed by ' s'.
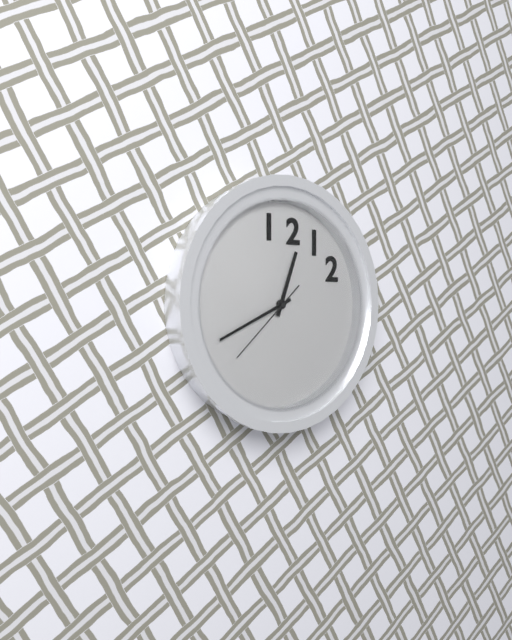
12 h 41 min 38 s
